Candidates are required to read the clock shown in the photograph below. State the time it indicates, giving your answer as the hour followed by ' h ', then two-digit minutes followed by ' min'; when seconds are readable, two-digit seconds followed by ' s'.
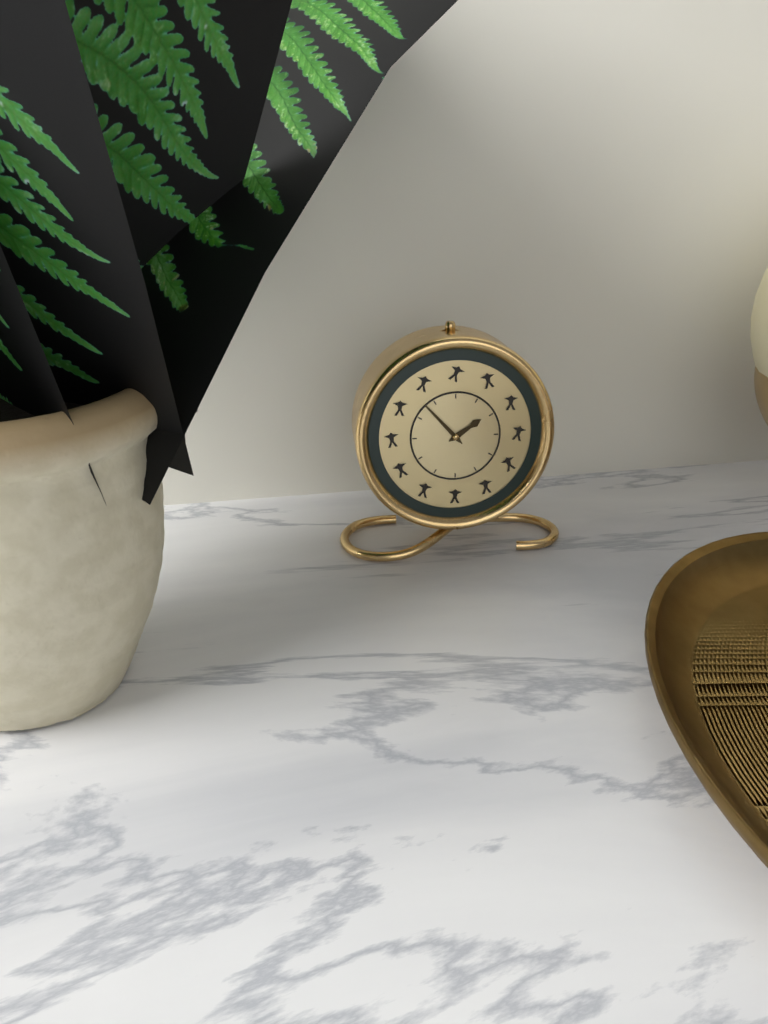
1 h 53 min
